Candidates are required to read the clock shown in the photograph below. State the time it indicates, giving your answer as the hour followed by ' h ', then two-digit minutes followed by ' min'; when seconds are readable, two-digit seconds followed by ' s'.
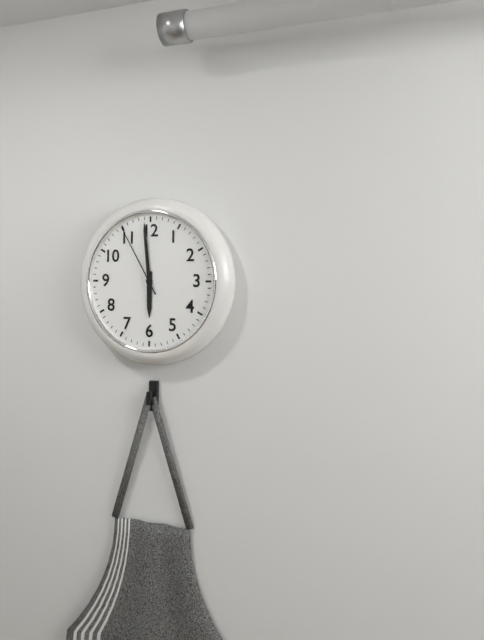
5 h 59 min 55 s
